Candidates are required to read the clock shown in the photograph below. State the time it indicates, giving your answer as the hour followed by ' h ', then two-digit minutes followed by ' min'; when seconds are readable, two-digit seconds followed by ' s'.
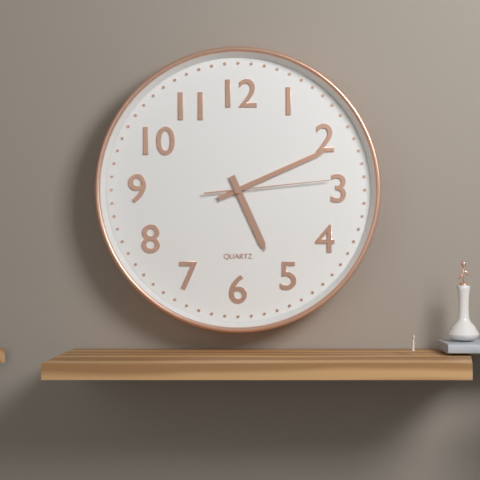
5 h 11 min 14 s
